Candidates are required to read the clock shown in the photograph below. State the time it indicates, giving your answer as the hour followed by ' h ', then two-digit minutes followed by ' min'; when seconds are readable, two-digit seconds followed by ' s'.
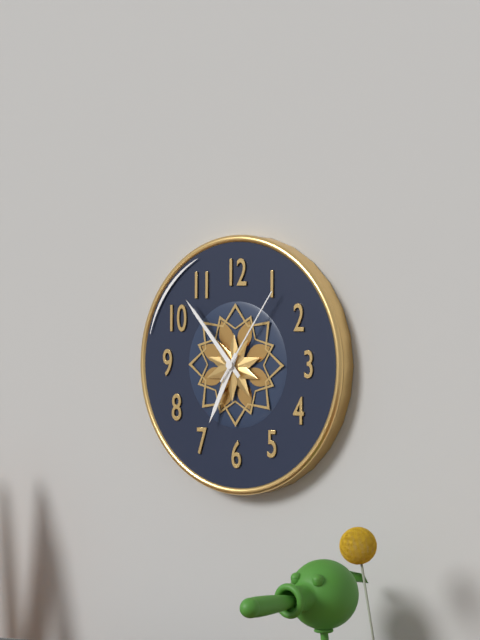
6 h 53 min 06 s
